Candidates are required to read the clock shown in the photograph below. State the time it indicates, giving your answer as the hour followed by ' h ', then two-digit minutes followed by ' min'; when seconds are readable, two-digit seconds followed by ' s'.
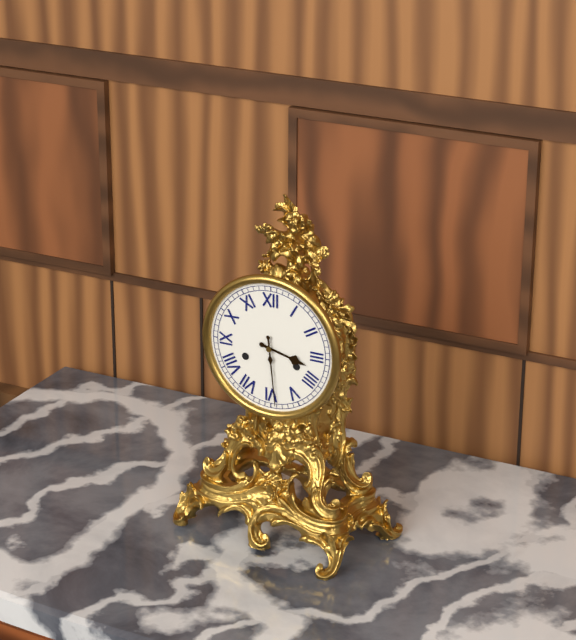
3 h 29 min
